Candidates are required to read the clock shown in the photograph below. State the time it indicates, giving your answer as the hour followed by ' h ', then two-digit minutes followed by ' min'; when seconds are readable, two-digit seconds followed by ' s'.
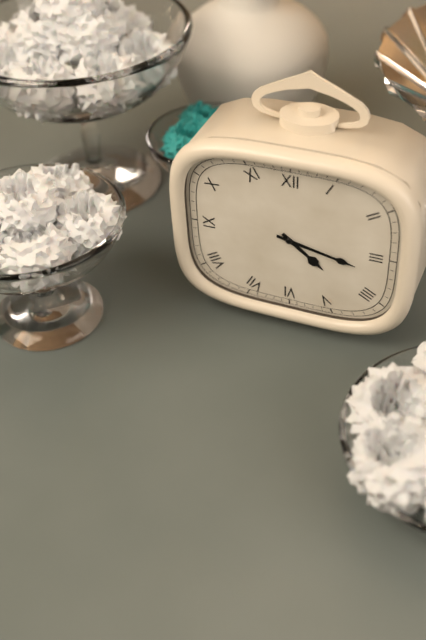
4 h 17 min
